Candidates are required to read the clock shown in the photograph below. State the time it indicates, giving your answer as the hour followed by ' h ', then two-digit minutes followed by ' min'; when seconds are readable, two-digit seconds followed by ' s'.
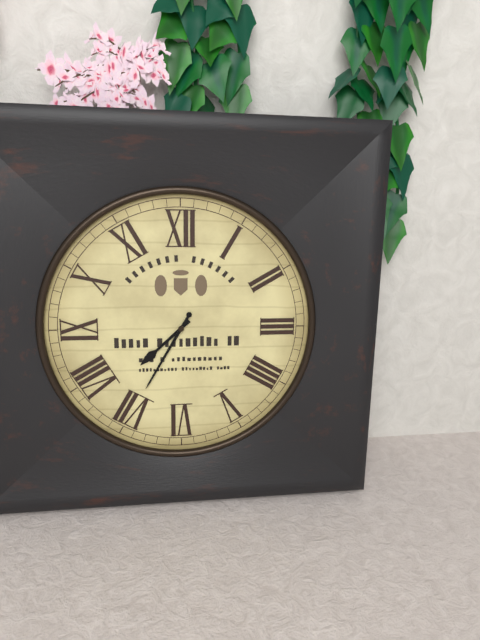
7 h 35 min
